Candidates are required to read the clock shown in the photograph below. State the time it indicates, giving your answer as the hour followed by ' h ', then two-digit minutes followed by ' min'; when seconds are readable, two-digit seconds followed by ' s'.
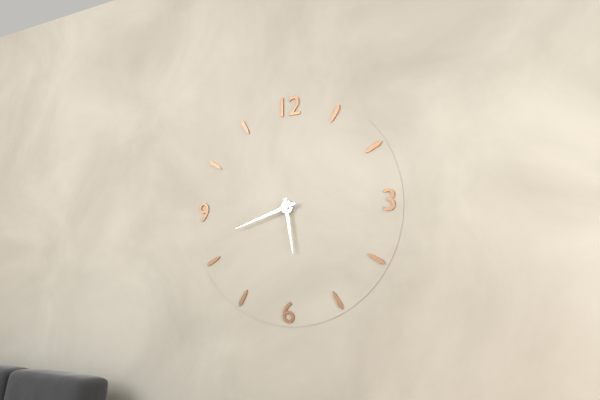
5 h 42 min
